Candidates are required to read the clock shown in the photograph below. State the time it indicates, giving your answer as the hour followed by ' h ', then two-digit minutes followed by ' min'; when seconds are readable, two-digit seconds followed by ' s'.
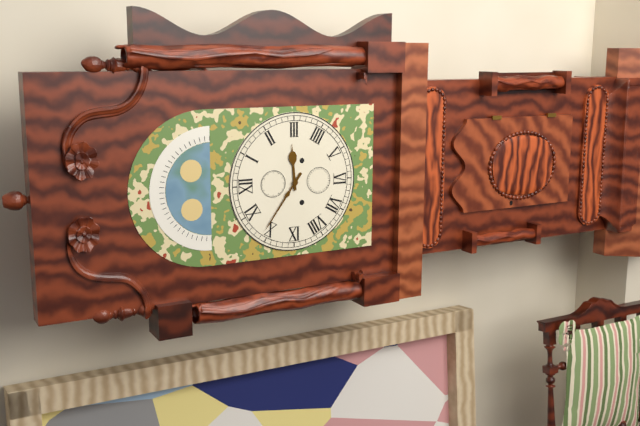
2 h 51 min
